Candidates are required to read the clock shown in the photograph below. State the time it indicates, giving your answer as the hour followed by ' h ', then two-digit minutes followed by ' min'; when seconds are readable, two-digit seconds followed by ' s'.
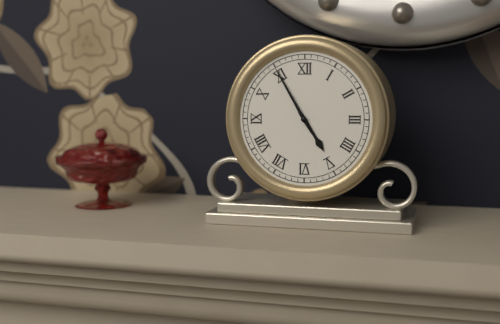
4 h 55 min
